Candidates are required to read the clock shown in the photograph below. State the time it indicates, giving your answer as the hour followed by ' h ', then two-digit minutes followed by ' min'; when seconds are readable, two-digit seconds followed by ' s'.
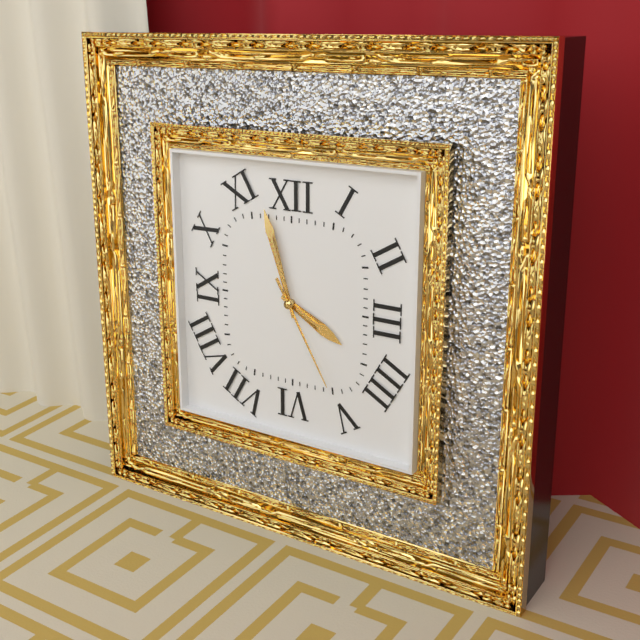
3 h 57 min 25 s
